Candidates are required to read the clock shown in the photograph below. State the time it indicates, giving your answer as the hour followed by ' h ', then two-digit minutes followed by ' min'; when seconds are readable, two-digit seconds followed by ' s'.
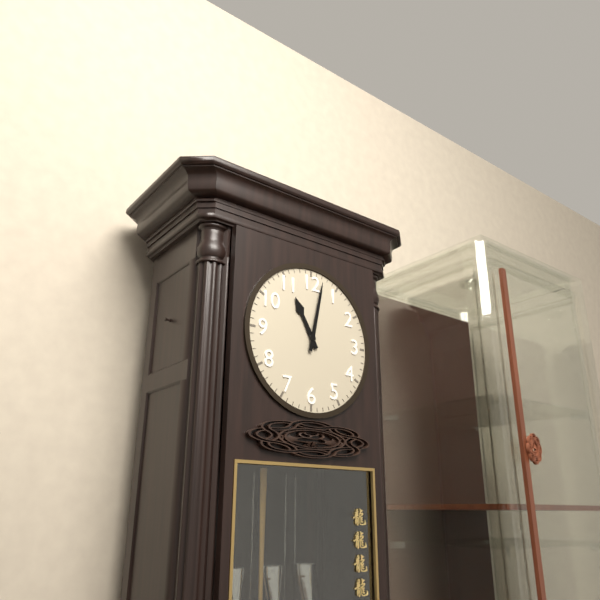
11 h 02 min
